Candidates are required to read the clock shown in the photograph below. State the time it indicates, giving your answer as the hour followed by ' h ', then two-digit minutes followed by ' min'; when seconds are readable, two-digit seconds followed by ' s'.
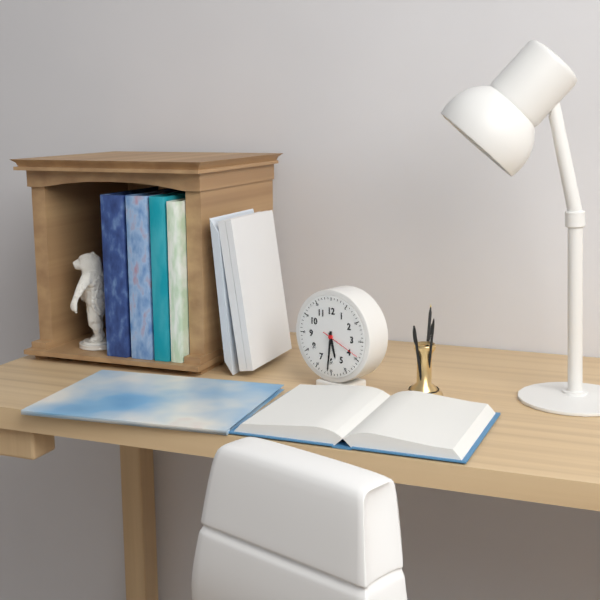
5 h 31 min
